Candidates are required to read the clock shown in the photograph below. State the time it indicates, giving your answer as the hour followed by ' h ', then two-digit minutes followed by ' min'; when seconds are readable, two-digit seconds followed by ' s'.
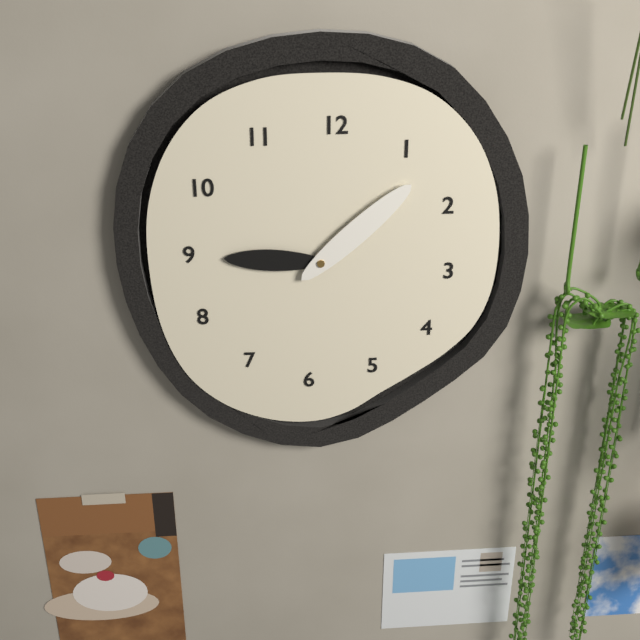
9 h 08 min
